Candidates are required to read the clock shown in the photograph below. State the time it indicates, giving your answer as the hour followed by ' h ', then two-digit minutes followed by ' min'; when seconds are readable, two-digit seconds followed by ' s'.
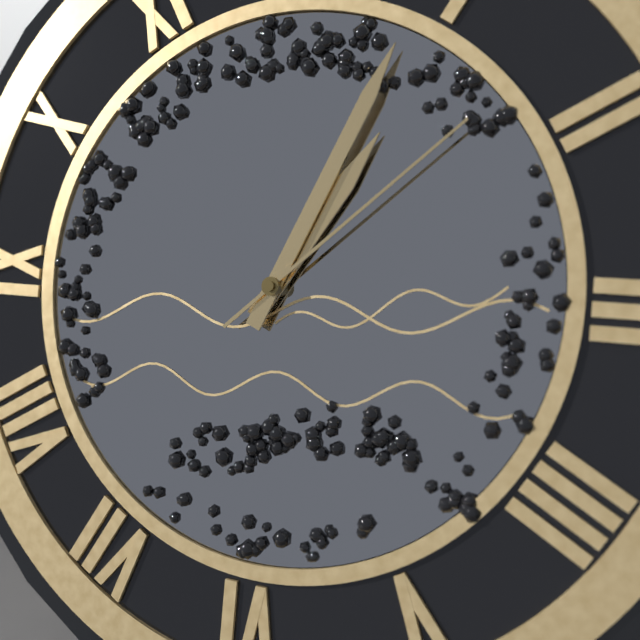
1 h 04 min 08 s
